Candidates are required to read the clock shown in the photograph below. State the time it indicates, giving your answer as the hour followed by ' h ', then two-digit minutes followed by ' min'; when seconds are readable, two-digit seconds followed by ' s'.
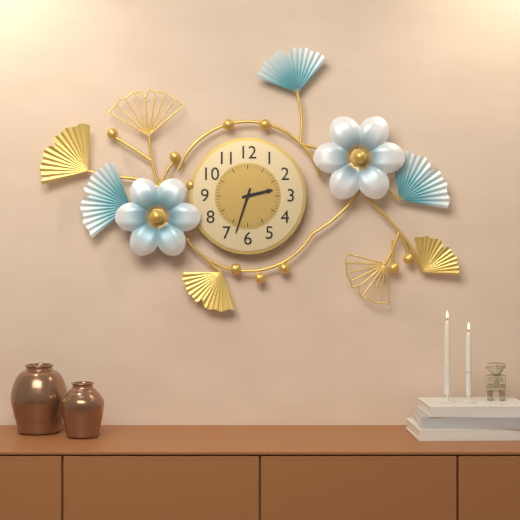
2 h 33 min
